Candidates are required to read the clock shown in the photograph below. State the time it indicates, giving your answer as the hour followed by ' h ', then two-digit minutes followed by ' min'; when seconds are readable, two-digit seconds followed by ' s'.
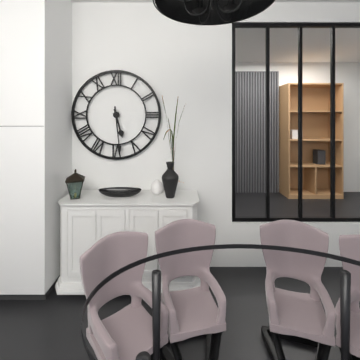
5 h 29 min
